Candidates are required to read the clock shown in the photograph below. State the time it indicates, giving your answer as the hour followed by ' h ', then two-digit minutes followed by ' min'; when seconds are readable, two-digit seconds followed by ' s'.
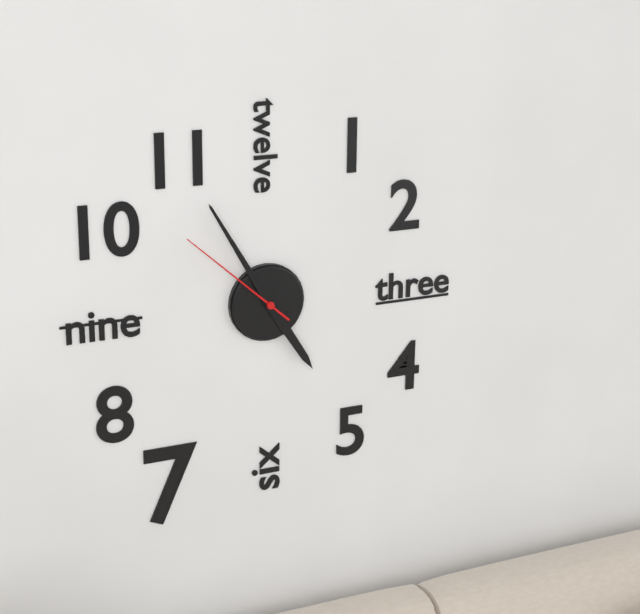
4 h 55 min 52 s
